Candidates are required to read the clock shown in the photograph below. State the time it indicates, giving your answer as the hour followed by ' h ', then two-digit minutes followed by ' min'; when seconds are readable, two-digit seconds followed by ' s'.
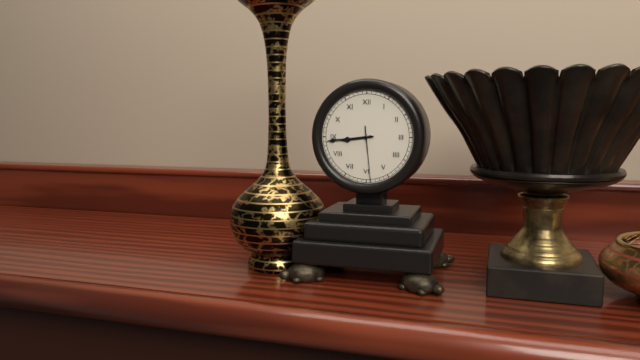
8 h 44 min 29 s
